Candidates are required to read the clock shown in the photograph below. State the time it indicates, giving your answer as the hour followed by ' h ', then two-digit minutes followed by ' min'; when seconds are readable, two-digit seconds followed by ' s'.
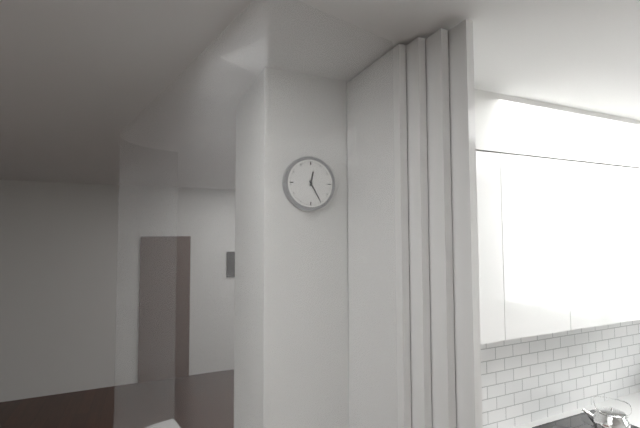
12 h 25 min
